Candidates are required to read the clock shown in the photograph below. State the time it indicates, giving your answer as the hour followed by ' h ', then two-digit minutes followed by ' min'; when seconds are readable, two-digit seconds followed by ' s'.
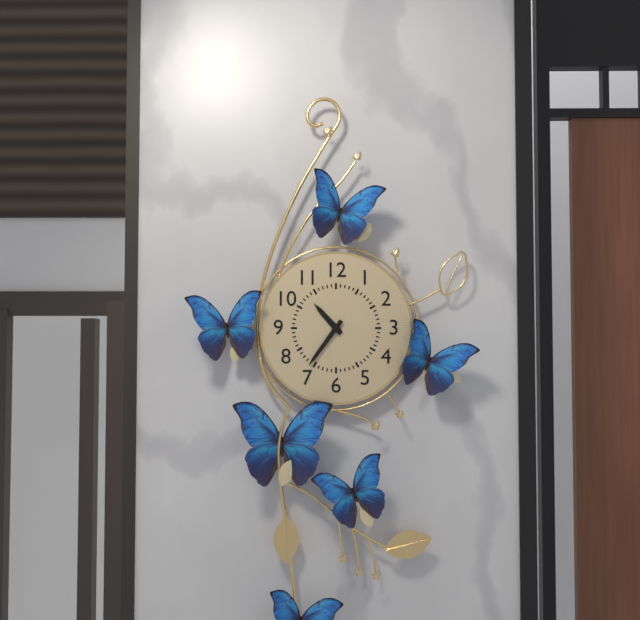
10 h 36 min
